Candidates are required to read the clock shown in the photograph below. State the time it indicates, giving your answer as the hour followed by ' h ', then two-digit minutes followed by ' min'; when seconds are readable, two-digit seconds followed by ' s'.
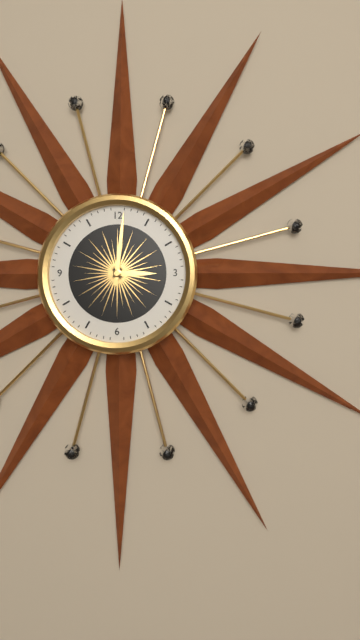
3 h 01 min
